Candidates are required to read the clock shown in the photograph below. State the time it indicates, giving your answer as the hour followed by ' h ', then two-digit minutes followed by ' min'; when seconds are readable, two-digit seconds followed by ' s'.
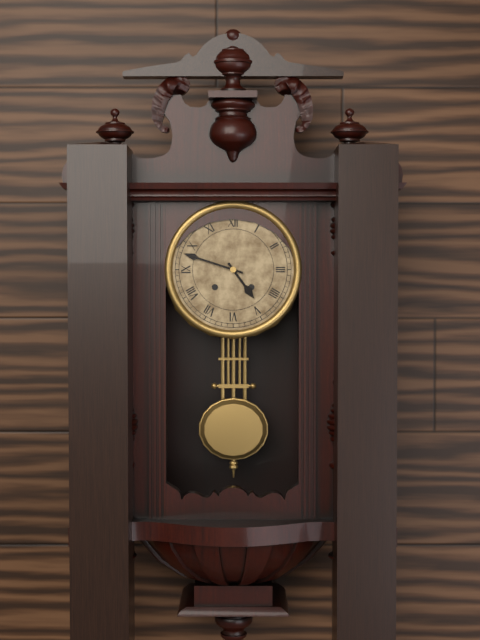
4 h 48 min
